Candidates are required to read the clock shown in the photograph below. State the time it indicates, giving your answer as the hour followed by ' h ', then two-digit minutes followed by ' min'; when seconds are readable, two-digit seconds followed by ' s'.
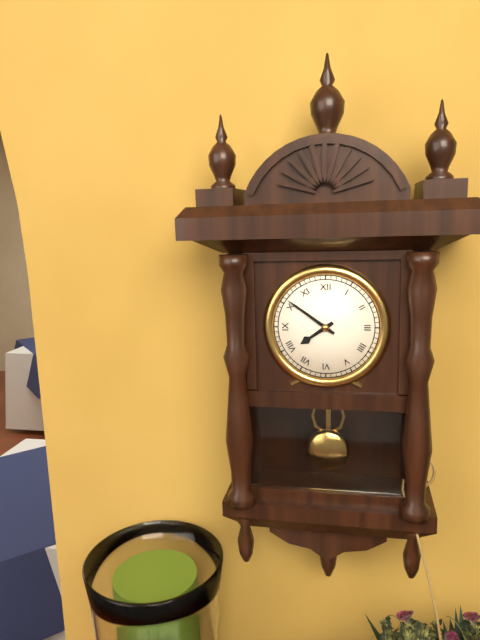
7 h 51 min
